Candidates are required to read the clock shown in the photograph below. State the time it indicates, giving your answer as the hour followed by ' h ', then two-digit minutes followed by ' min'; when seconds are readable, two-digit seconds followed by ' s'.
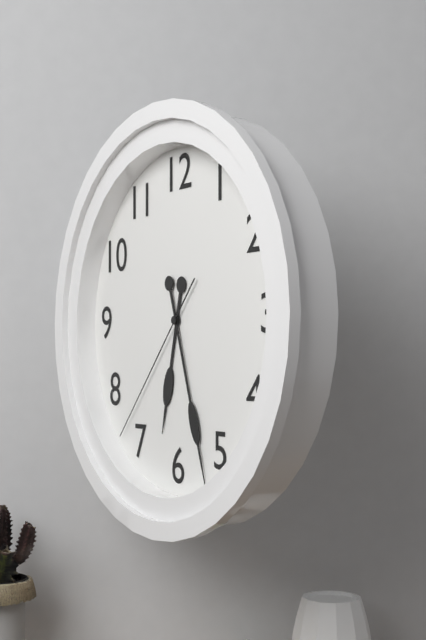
6 h 27 min 37 s
